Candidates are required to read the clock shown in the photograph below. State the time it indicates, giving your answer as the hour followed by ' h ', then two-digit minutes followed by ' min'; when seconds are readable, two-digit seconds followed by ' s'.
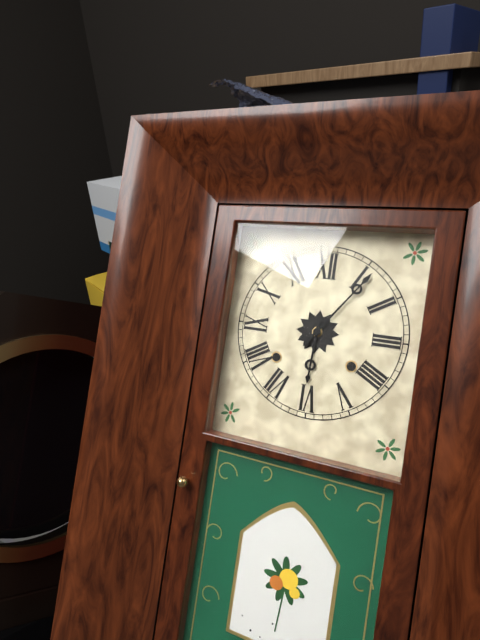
6 h 06 min
